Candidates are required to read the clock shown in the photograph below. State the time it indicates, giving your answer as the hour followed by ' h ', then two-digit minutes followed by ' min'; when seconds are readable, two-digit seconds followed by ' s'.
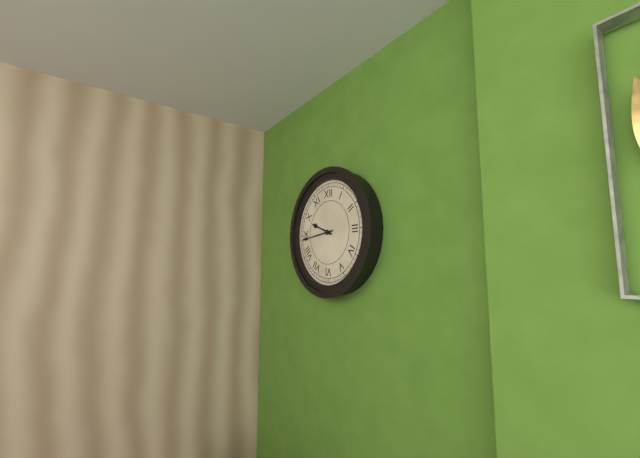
9 h 44 min
